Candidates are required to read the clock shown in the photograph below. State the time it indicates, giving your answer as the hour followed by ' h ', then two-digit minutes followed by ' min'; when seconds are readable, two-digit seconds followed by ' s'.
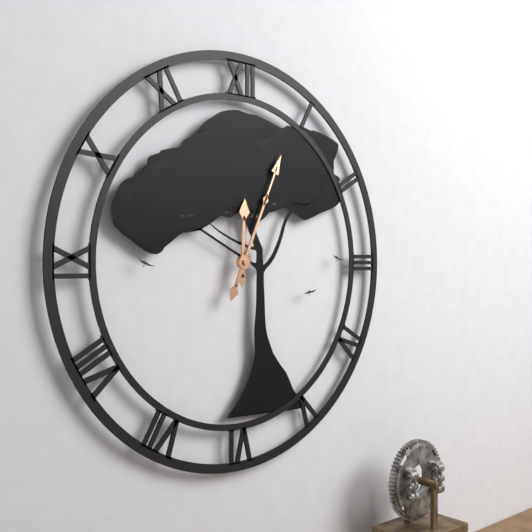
12 h 04 min
